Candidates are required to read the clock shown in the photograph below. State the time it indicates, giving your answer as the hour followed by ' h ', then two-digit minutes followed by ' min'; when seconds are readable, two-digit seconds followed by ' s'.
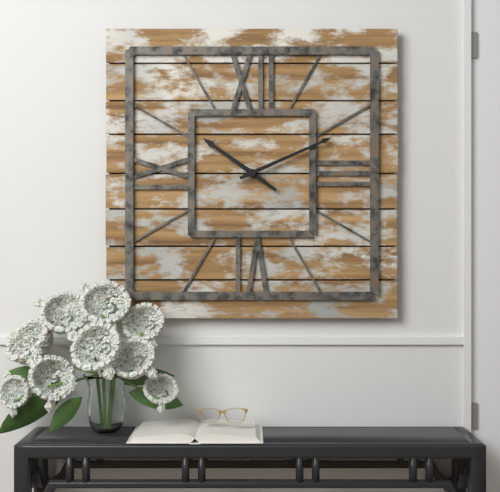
10 h 11 min
